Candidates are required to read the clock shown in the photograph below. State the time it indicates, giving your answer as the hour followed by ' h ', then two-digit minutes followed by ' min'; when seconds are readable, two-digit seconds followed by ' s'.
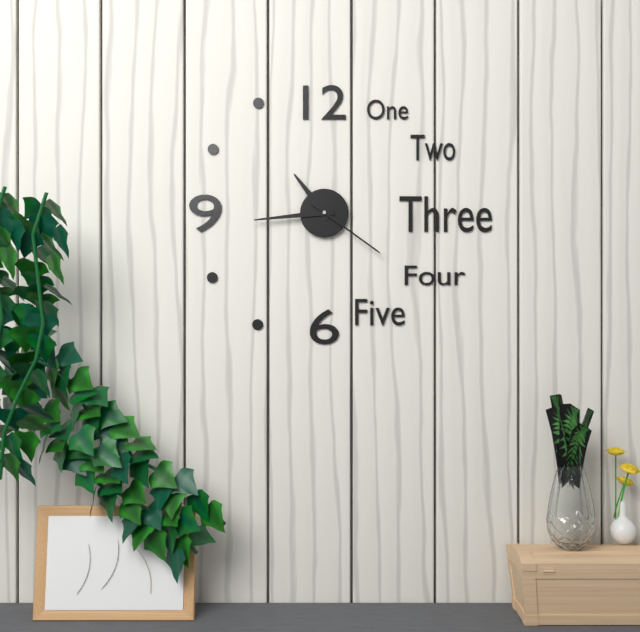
10 h 44 min 21 s
